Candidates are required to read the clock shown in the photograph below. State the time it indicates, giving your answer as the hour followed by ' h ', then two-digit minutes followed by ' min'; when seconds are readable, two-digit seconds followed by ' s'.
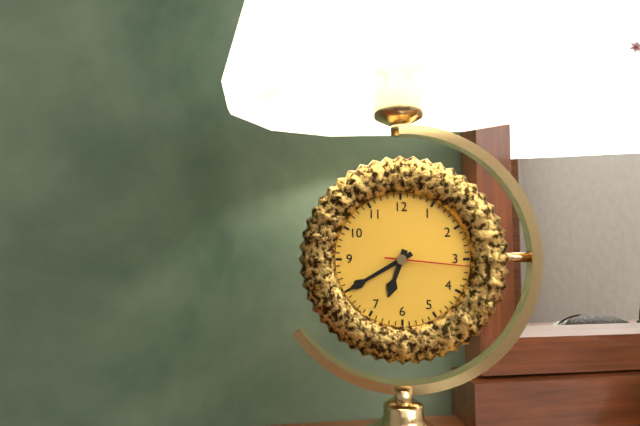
6 h 40 min 16 s
